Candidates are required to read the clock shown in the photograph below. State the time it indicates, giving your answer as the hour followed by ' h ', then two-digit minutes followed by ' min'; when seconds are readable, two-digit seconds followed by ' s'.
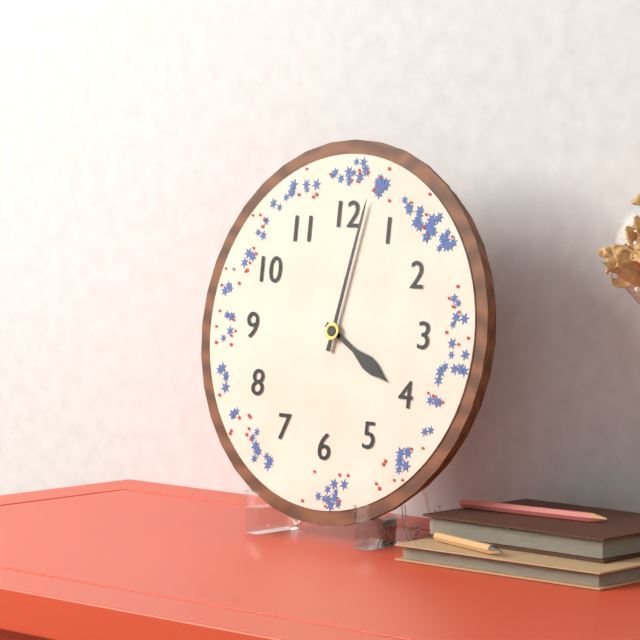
4 h 02 min
